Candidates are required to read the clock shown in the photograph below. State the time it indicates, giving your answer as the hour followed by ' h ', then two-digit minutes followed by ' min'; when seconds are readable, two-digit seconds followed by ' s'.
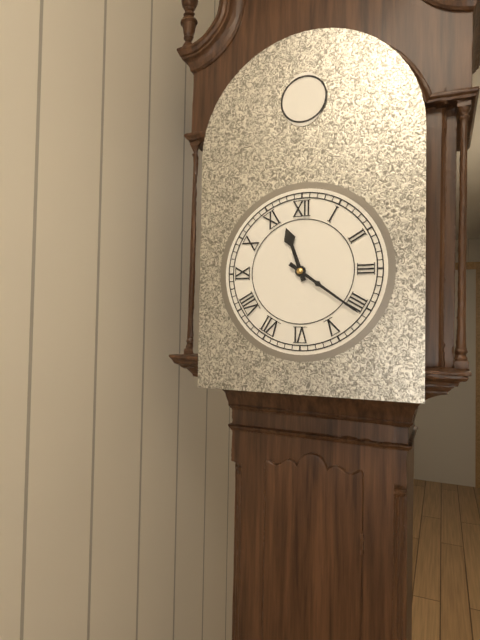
11 h 21 min
